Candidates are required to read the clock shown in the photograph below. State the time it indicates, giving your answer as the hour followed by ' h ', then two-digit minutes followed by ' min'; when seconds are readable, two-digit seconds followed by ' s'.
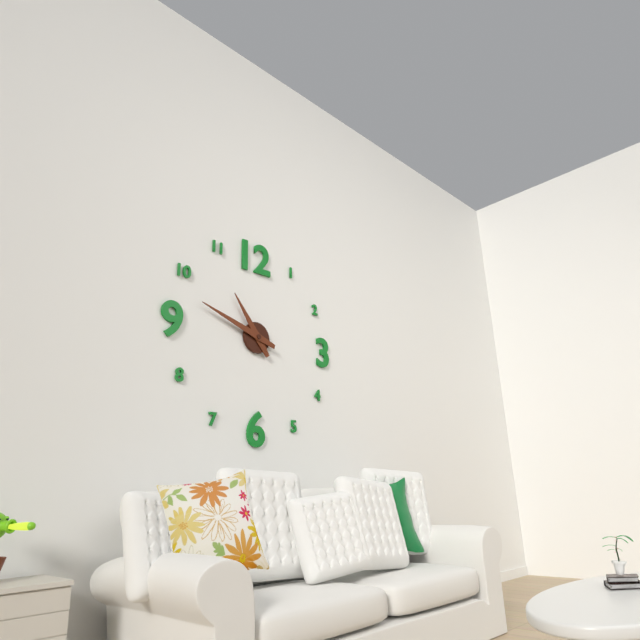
10 h 48 min
